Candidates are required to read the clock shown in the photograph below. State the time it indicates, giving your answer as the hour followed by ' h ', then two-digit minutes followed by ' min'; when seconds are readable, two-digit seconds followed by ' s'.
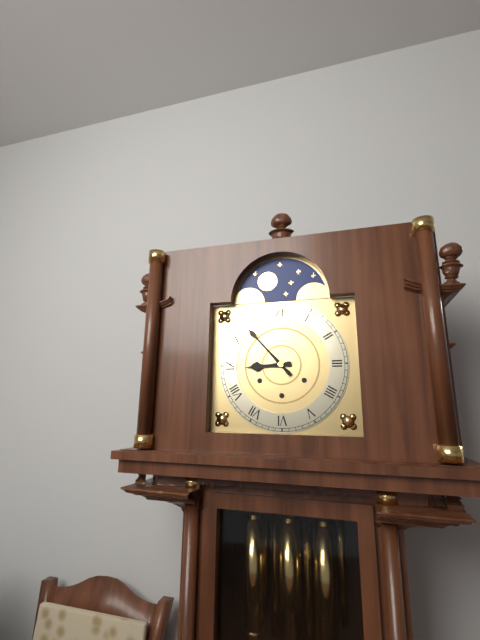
8 h 53 min
